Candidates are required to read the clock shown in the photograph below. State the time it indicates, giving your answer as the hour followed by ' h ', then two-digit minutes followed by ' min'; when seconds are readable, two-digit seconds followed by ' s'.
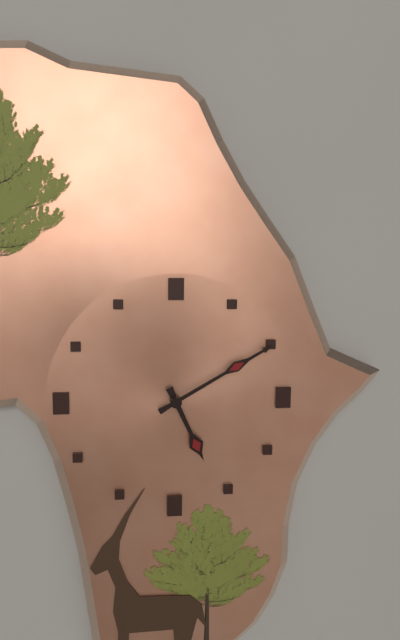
5 h 10 min
